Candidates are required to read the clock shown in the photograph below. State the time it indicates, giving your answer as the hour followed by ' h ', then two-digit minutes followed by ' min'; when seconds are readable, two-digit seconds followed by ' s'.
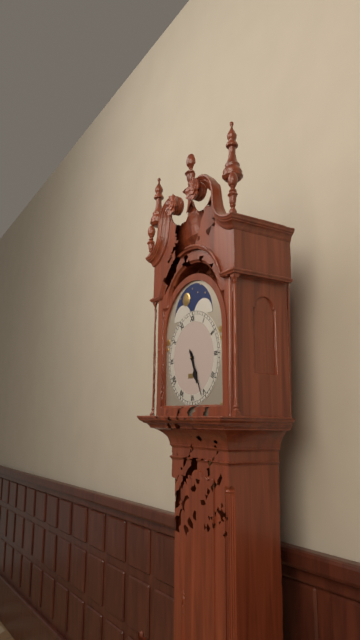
5 h 26 min
